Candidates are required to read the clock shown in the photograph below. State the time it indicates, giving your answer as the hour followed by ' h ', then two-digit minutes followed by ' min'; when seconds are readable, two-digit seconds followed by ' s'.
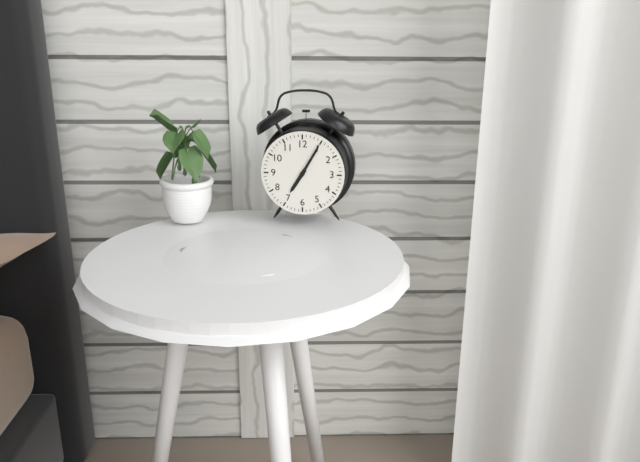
7 h 05 min
